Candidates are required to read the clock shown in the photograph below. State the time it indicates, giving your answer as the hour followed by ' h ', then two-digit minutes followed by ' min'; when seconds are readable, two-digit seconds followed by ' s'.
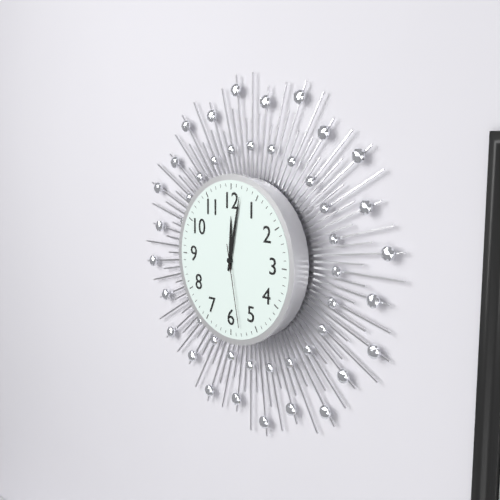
12 h 02 min 28 s
